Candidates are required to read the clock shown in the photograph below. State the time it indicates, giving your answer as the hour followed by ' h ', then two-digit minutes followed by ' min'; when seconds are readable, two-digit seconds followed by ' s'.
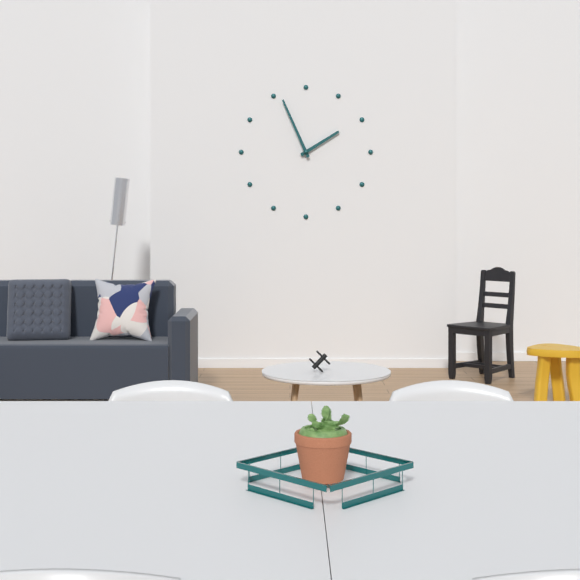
1 h 56 min
